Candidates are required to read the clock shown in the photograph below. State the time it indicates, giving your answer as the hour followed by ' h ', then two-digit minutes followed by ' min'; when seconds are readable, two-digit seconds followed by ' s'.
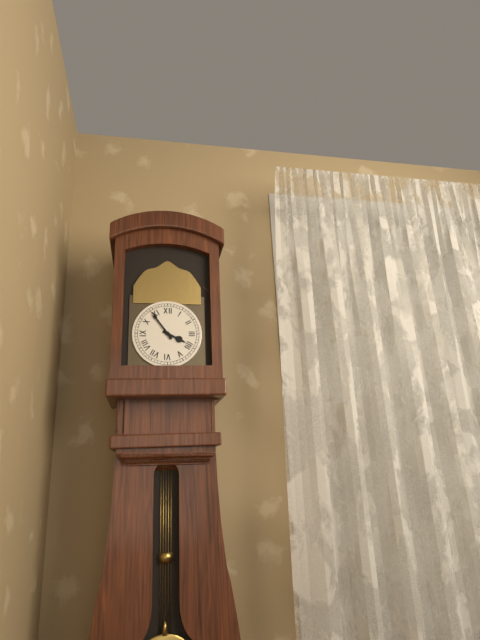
3 h 54 min
